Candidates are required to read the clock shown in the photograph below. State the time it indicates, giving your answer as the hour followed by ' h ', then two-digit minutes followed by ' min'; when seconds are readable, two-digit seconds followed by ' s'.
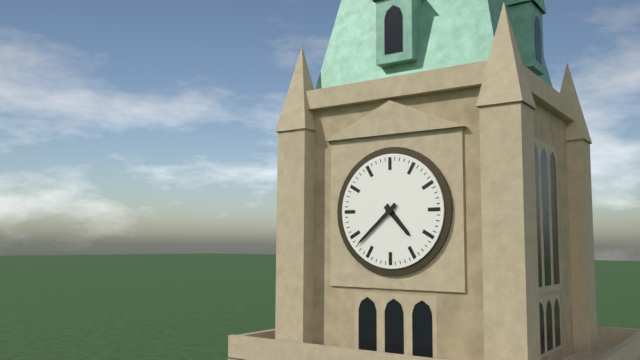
4 h 38 min
